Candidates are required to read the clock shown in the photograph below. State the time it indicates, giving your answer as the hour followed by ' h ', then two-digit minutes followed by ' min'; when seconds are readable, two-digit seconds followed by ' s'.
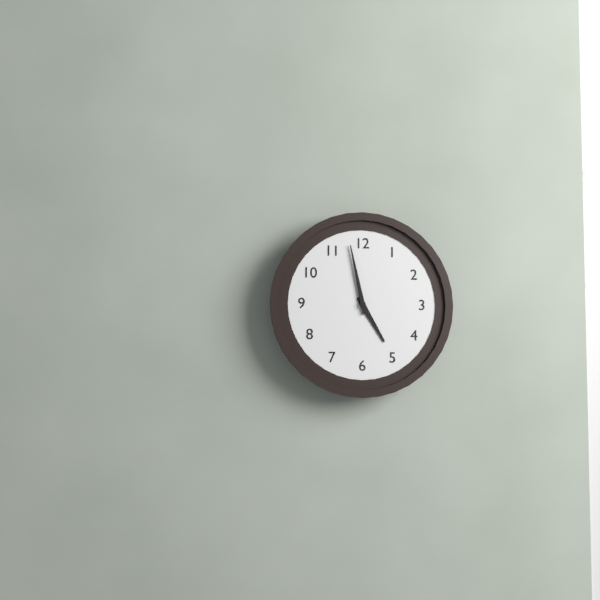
4 h 58 min
